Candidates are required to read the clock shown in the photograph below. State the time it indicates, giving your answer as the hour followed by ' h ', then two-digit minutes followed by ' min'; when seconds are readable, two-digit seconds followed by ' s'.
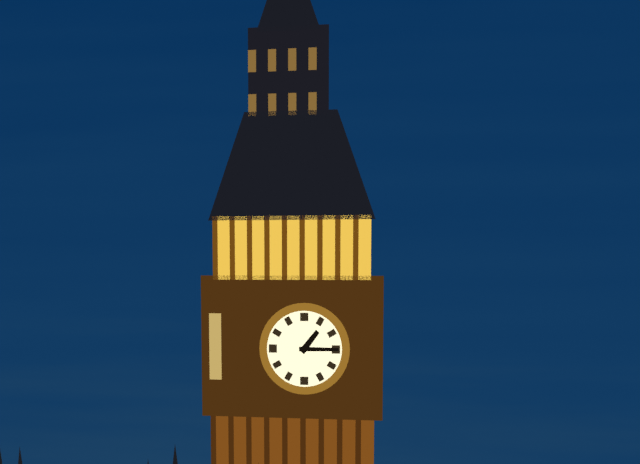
1 h 15 min
